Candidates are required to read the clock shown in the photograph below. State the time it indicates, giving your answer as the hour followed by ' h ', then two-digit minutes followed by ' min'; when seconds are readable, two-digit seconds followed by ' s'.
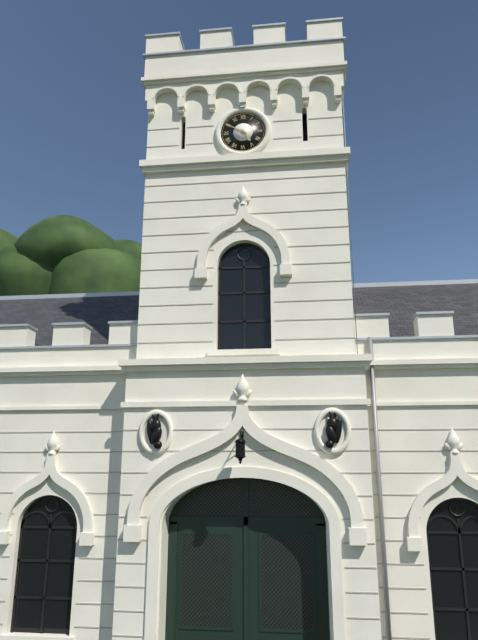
4 h 50 min
